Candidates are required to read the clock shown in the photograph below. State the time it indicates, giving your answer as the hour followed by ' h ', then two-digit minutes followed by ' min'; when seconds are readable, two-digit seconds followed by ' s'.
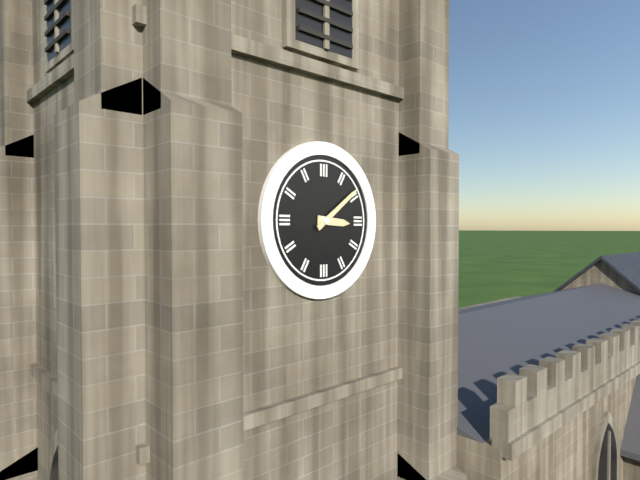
3 h 09 min
